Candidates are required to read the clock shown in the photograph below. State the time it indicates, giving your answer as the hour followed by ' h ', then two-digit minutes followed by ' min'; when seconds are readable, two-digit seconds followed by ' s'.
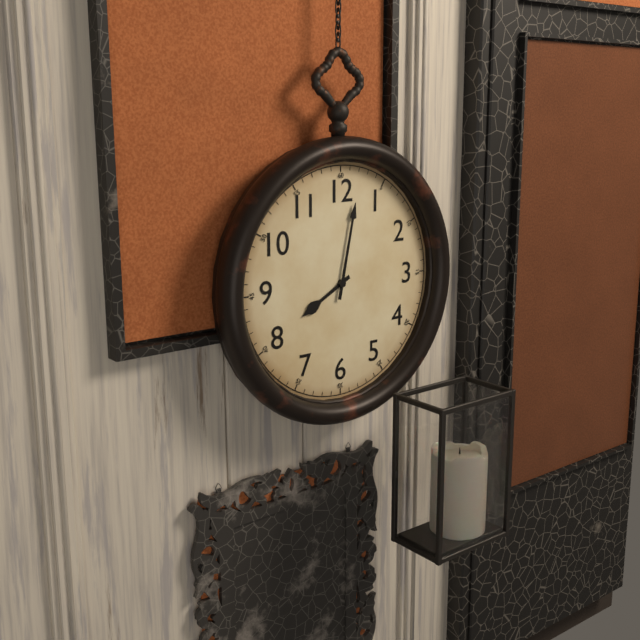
8 h 02 min
